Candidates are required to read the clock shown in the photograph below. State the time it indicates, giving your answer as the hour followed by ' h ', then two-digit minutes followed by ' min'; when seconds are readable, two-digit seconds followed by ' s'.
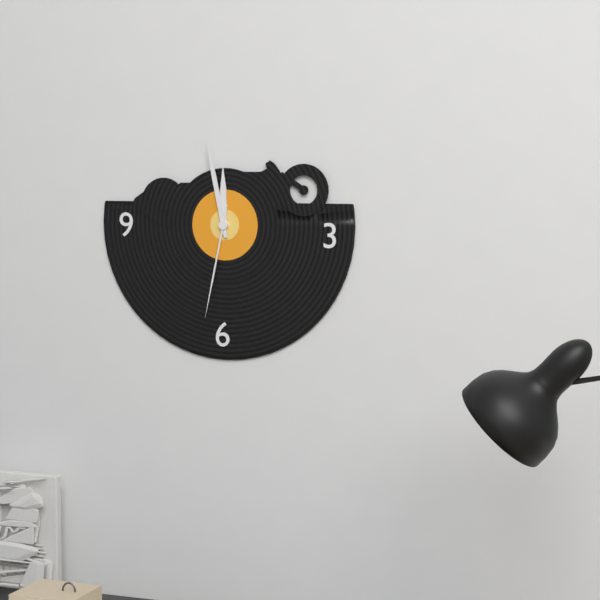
11 h 58 min 32 s
